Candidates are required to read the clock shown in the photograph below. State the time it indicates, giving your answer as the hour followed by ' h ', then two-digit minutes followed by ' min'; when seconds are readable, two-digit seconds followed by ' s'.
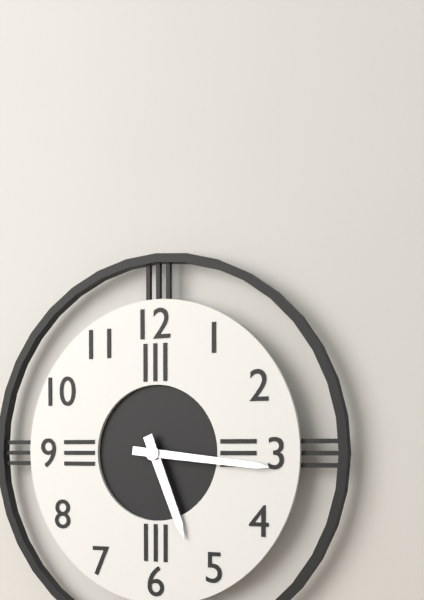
5 h 16 min
